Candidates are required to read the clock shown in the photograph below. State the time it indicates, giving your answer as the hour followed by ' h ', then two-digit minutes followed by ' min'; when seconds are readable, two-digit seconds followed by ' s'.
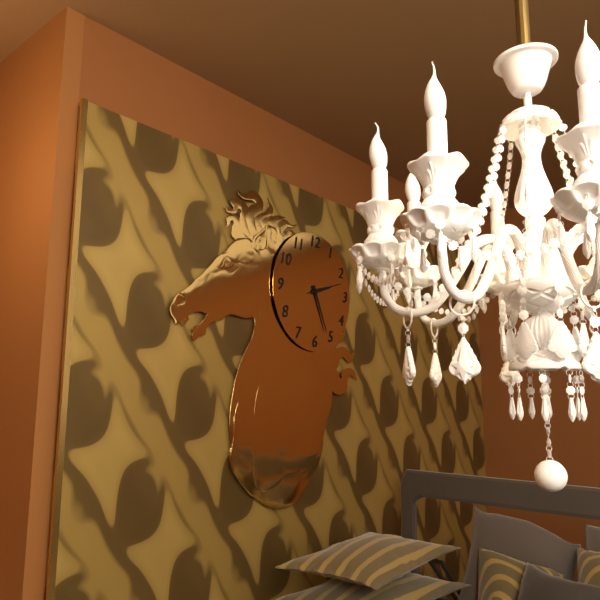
2 h 26 min
